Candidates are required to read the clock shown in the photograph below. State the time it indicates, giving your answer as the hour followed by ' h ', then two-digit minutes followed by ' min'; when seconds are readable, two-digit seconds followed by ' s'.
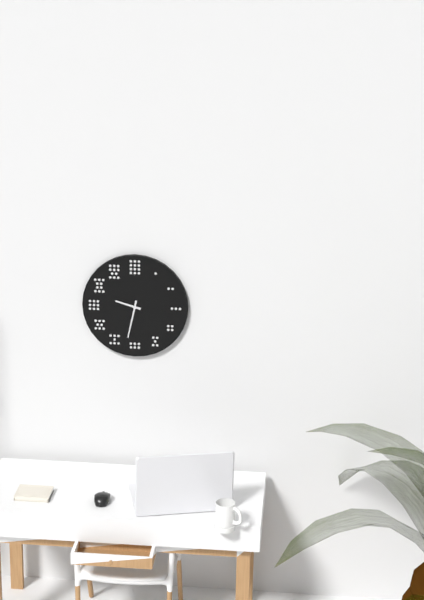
9 h 32 min
